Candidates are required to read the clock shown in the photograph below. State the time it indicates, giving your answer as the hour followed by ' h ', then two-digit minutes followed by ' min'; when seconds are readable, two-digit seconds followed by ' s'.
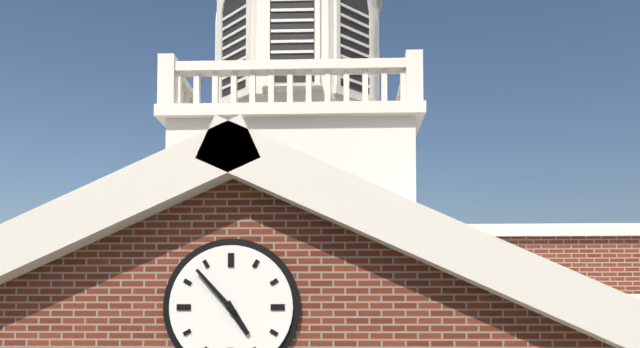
4 h 53 min
